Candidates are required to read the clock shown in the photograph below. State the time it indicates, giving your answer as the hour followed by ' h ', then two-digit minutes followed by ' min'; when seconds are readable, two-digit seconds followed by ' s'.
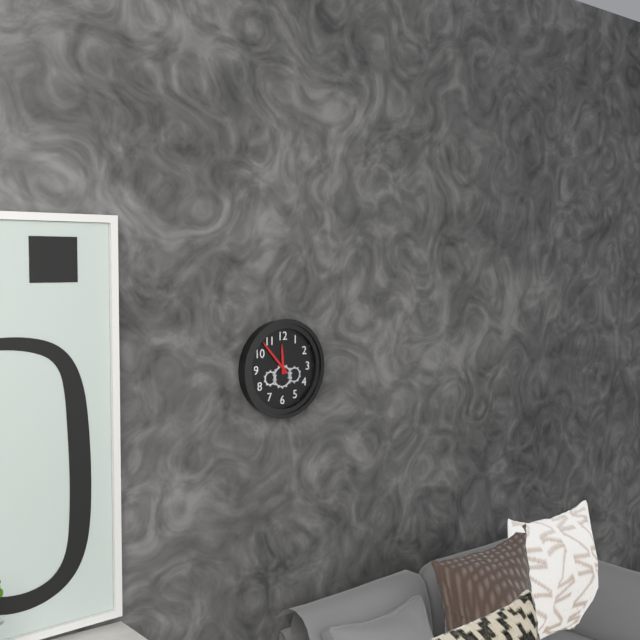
11 h 53 min
